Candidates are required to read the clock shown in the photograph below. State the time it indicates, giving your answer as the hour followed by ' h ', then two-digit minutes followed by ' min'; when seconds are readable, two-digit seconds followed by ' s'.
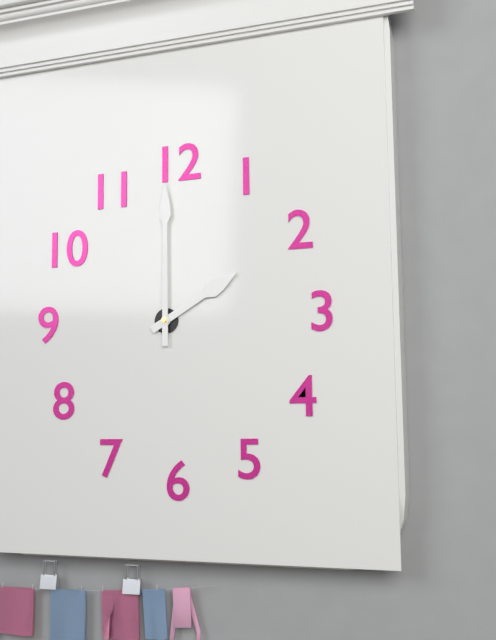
2 h 00 min
